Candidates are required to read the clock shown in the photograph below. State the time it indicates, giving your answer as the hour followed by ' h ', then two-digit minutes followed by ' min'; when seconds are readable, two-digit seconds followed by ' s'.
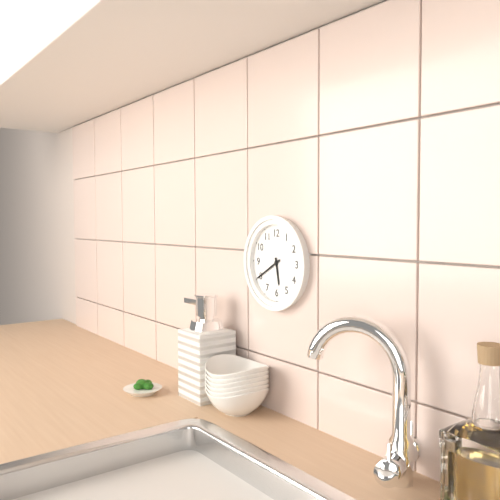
5 h 40 min
